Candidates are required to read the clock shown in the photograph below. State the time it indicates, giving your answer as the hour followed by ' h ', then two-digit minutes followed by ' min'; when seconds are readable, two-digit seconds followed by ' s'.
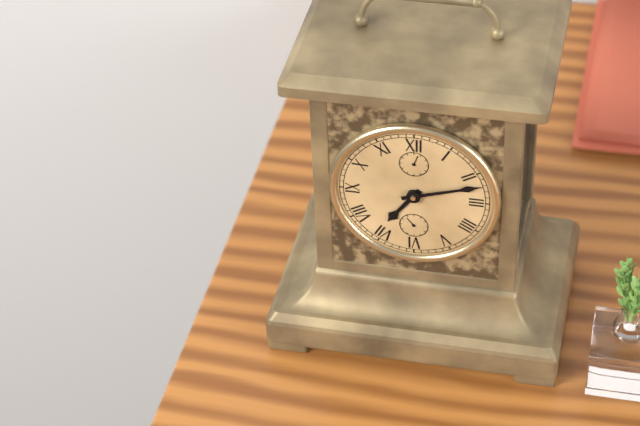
7 h 12 min
